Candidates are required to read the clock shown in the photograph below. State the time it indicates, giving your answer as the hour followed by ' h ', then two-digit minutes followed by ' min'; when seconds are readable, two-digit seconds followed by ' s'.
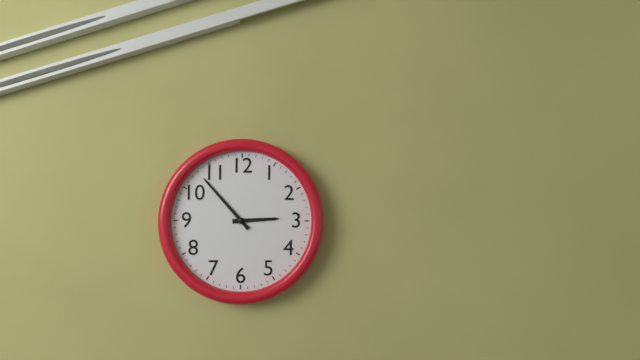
2 h 53 min
